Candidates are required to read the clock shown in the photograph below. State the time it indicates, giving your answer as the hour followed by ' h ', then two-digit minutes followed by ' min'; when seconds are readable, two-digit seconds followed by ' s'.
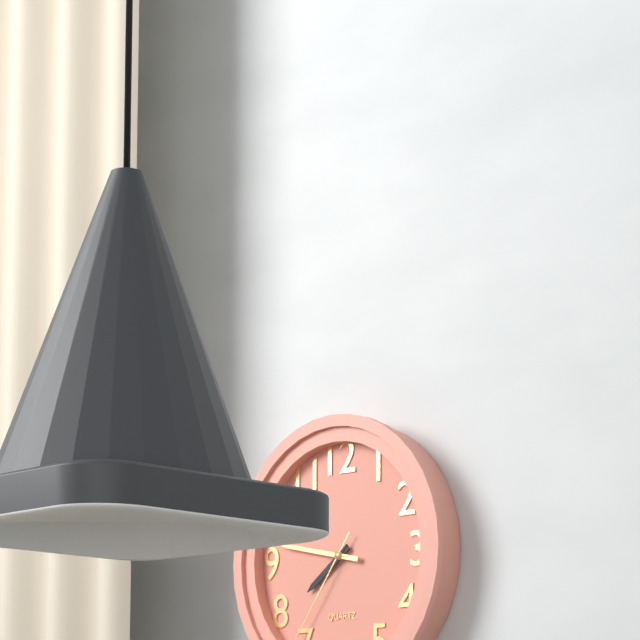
7 h 47 min
